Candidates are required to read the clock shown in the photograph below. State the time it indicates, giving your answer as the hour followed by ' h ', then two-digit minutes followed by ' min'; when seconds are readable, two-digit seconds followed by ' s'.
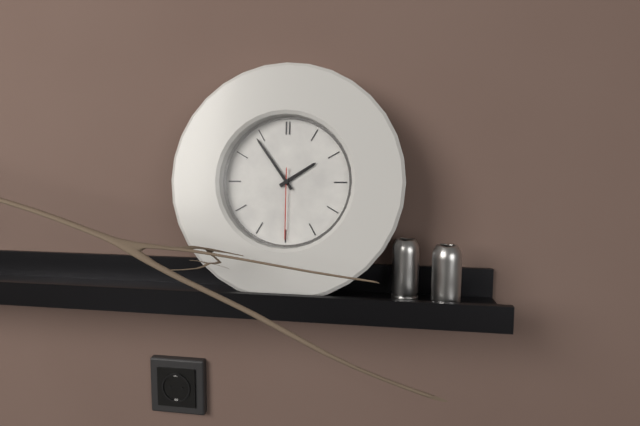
1 h 54 min 30 s
